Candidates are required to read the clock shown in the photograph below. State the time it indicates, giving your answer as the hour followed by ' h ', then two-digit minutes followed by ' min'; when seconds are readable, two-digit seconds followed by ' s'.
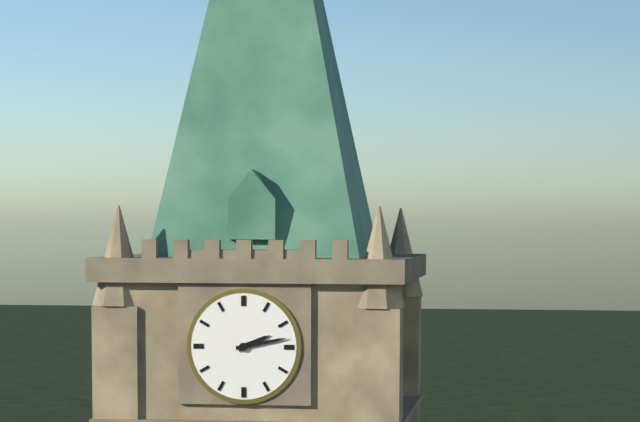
2 h 13 min
